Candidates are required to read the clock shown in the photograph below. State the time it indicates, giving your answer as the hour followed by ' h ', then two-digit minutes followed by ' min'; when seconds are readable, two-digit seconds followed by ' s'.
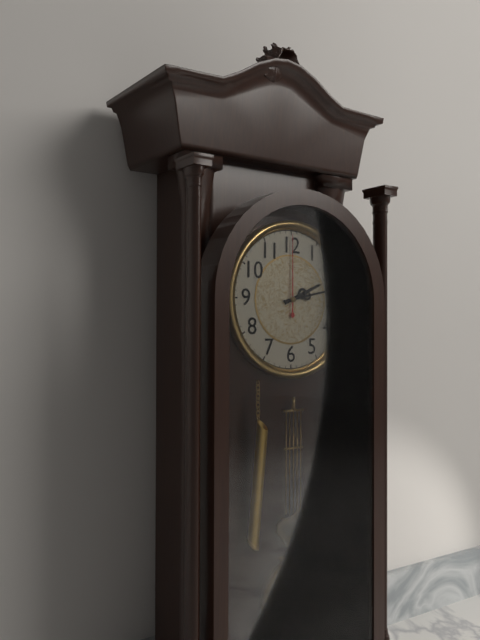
2 h 13 min 00 s
